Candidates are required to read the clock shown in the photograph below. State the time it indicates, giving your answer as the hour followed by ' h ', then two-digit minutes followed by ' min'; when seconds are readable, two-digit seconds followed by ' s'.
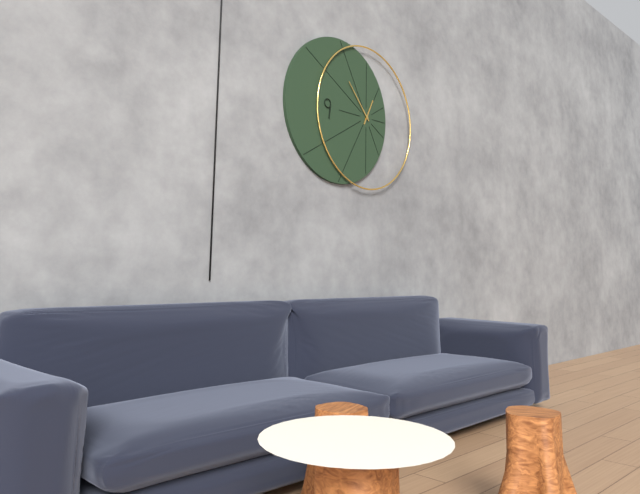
12 h 53 min
